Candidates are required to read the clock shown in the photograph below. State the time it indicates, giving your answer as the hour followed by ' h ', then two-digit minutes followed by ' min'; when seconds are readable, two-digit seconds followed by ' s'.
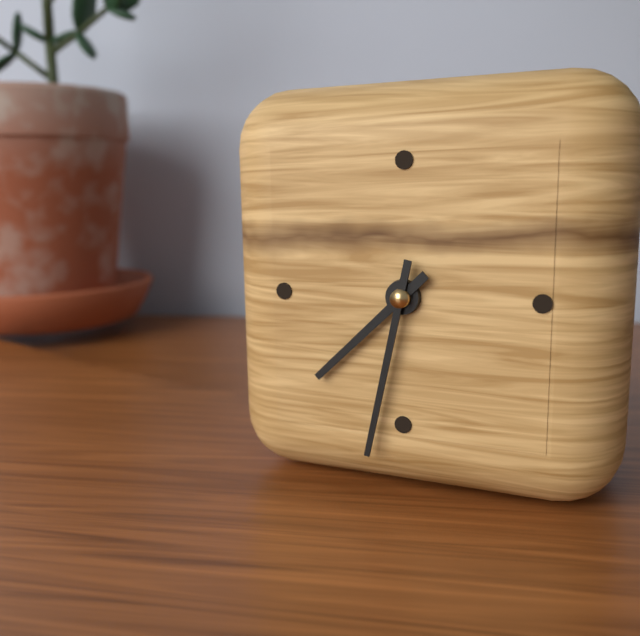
7 h 32 min
